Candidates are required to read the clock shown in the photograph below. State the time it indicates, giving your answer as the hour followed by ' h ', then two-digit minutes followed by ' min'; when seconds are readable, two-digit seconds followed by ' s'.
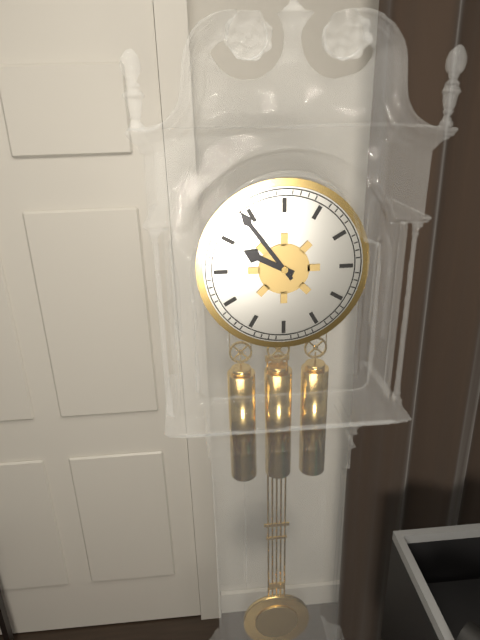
9 h 54 min
